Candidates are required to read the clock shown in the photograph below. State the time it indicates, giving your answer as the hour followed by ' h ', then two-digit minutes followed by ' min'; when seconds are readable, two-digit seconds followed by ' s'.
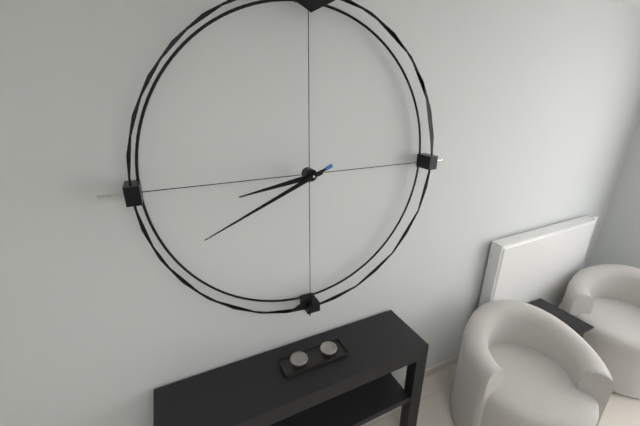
8 h 41 min
